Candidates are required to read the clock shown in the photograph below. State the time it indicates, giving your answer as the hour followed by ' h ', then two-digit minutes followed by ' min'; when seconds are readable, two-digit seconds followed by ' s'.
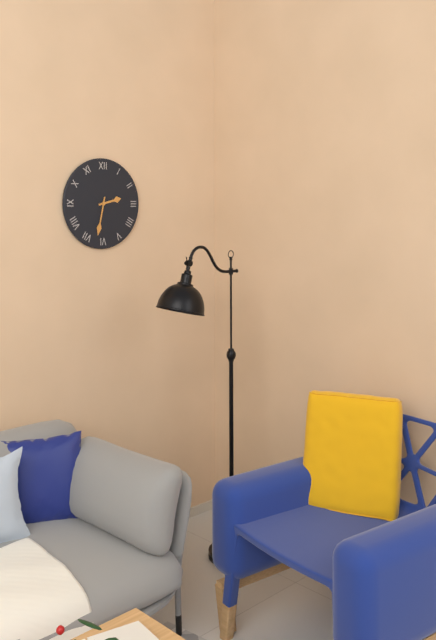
2 h 32 min
